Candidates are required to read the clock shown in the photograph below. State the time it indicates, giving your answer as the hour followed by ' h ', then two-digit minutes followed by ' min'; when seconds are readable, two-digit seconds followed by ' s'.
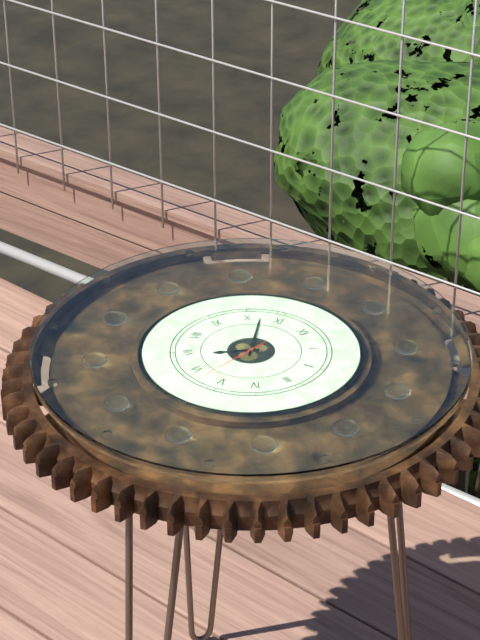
6 h 52 min 28 s
